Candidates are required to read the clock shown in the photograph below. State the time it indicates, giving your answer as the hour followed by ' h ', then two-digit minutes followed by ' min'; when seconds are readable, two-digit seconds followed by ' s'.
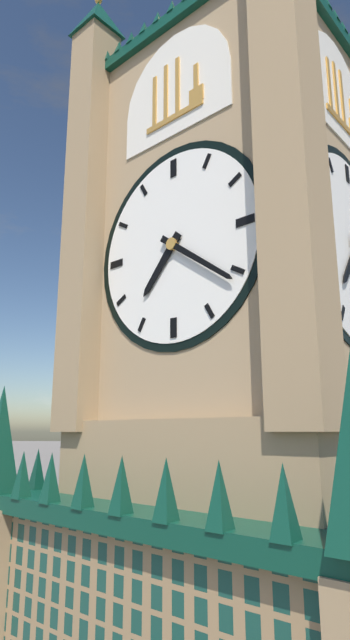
7 h 21 min
